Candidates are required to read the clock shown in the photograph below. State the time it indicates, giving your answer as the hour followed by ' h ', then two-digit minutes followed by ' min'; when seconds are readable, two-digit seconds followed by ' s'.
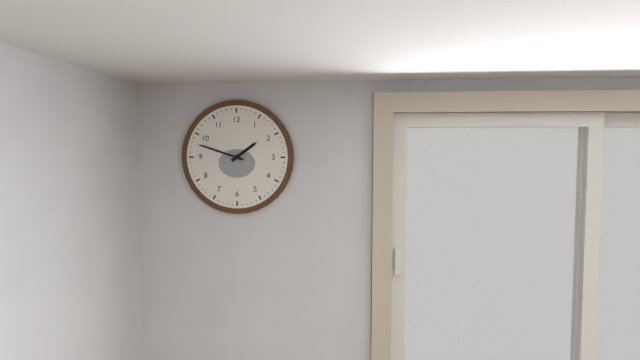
1 h 48 min
